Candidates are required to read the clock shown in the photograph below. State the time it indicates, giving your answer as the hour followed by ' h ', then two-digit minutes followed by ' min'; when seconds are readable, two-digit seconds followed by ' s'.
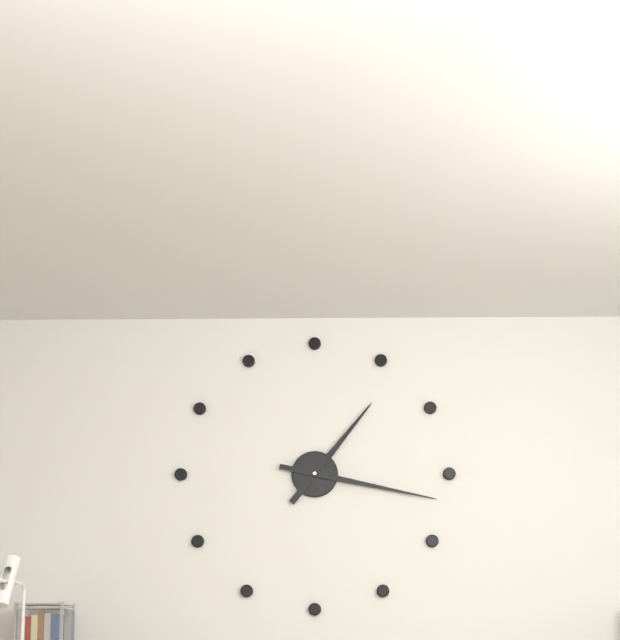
1 h 17 min
